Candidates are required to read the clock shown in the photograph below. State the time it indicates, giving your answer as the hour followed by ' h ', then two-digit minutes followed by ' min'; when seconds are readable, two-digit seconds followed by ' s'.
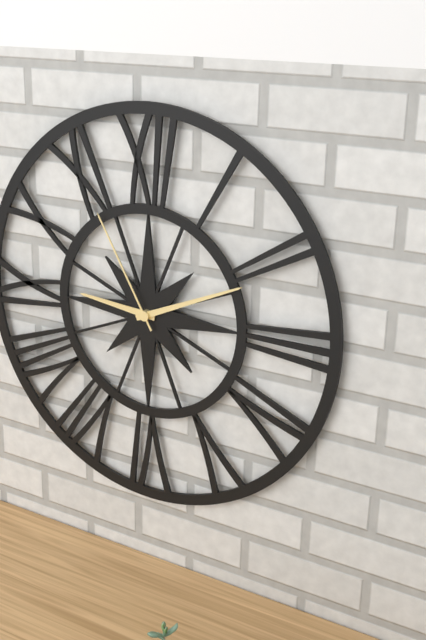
9 h 11 min 55 s
